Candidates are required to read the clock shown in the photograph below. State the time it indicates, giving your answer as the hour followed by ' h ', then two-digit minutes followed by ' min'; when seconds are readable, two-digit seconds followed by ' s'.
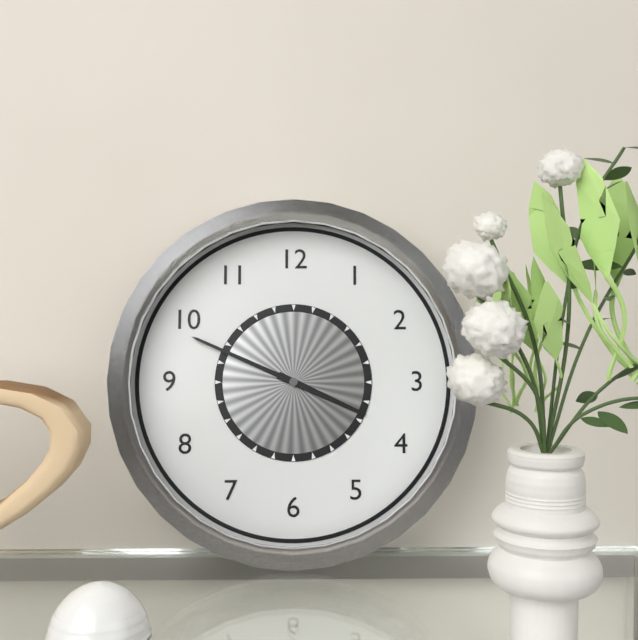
3 h 49 min
